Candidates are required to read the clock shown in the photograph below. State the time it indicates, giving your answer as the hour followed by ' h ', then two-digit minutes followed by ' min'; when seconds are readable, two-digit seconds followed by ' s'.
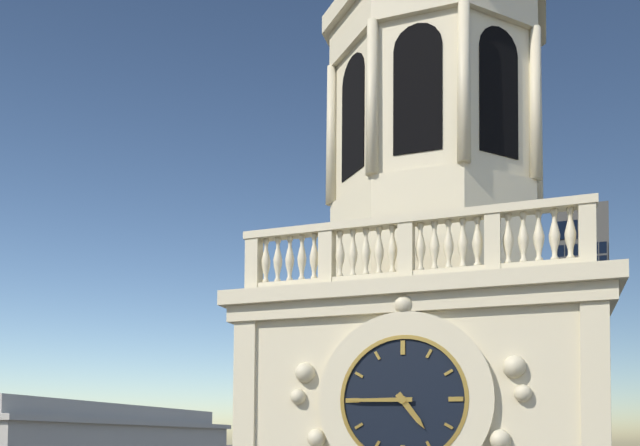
4 h 45 min
